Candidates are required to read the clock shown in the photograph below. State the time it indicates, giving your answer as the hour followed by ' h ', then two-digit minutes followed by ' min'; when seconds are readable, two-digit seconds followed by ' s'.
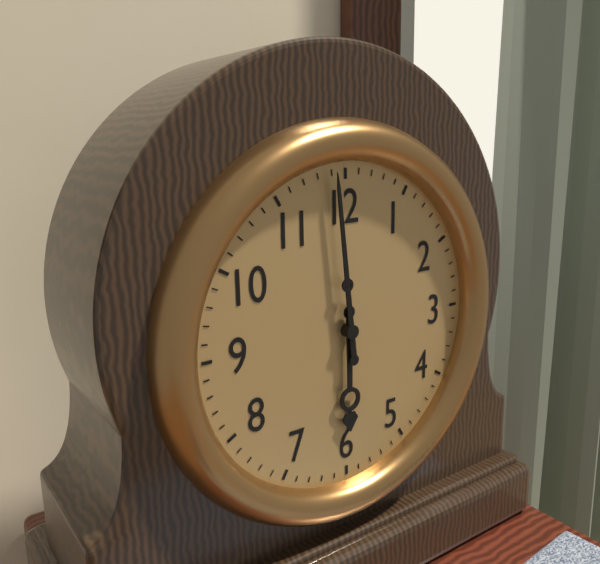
5 h 59 min
